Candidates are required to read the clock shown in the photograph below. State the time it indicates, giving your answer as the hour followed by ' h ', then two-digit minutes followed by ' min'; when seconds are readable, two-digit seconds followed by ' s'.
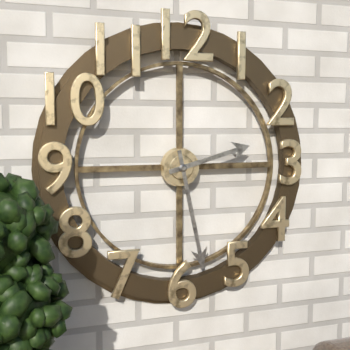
2 h 28 min
